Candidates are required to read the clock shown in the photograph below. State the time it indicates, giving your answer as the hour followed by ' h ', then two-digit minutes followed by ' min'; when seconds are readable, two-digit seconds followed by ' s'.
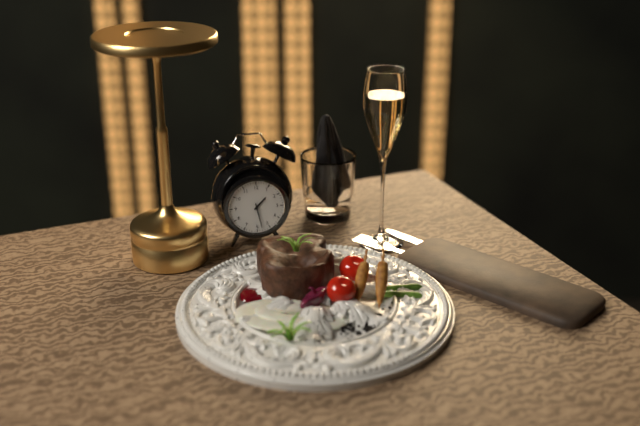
1 h 28 min
